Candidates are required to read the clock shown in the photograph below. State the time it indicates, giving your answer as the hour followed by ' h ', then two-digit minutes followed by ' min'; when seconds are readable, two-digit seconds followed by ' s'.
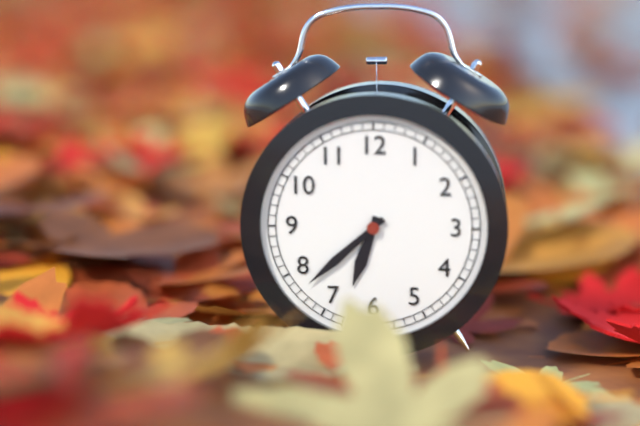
6 h 38 min
